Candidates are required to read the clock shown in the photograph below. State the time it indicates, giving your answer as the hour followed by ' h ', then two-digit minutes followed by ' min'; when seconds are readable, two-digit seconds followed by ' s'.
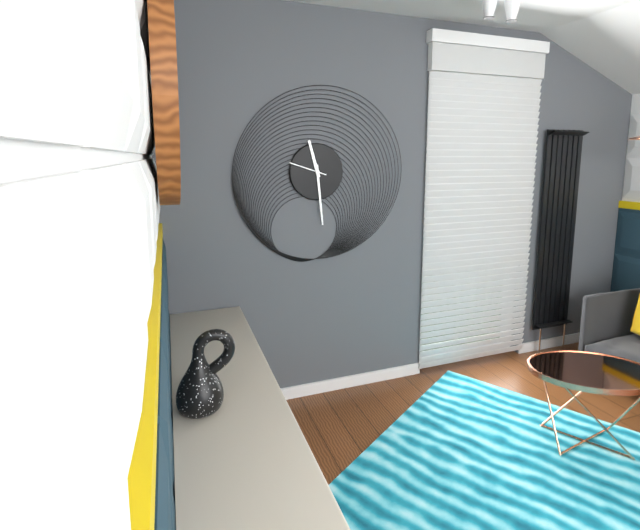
11 h 29 min
